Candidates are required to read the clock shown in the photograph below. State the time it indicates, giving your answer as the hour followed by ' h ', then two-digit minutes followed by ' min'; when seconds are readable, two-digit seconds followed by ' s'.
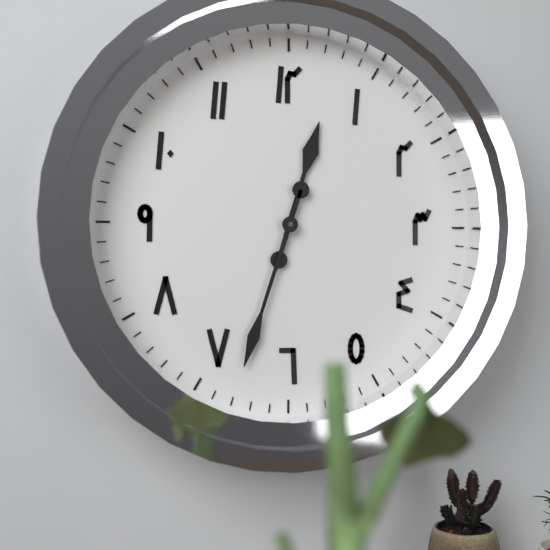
12 h 33 min
